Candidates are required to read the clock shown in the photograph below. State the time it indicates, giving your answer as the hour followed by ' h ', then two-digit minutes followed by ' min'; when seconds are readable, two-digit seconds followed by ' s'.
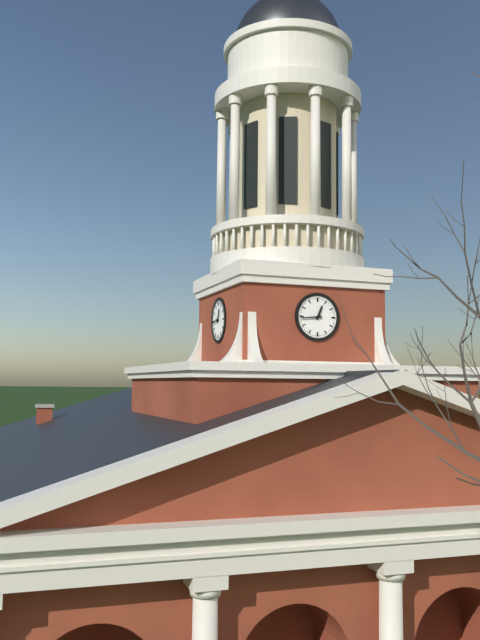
12 h 44 min
